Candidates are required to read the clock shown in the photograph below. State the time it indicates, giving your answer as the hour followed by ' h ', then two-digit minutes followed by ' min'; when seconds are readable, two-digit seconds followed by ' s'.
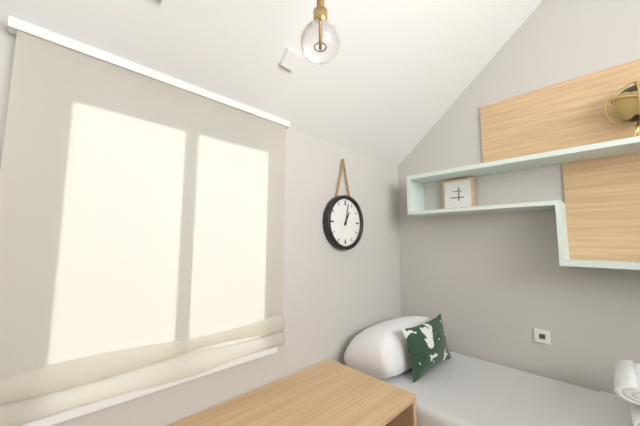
1 h 02 min
